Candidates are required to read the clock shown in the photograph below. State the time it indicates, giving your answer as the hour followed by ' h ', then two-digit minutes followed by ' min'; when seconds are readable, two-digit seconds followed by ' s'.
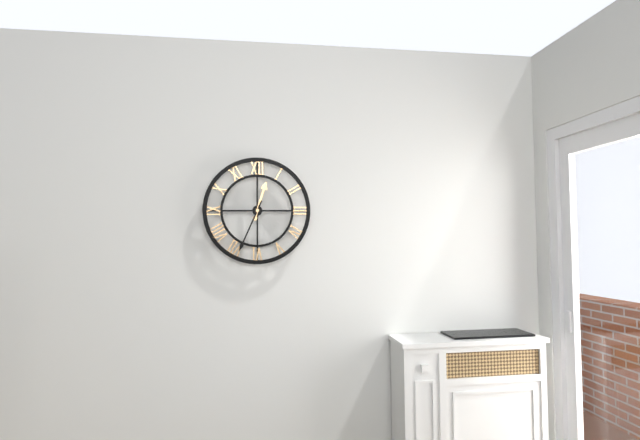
12 h 34 min
